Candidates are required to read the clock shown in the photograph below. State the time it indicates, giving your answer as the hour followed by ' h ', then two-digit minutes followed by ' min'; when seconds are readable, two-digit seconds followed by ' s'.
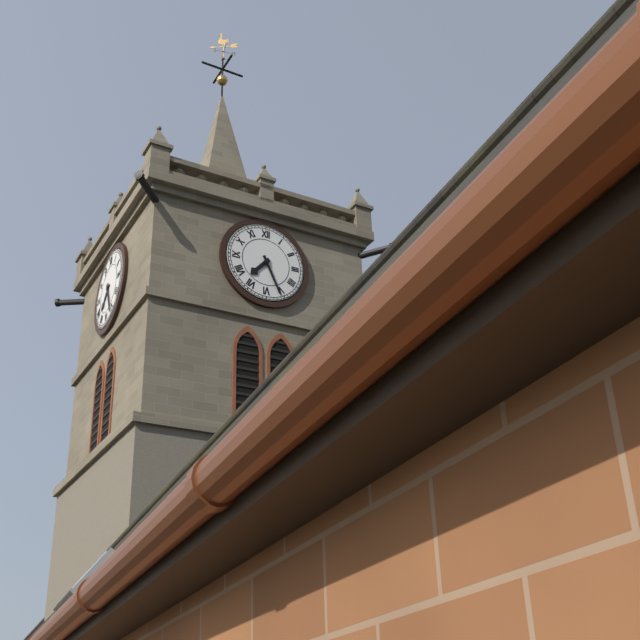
7 h 26 min
